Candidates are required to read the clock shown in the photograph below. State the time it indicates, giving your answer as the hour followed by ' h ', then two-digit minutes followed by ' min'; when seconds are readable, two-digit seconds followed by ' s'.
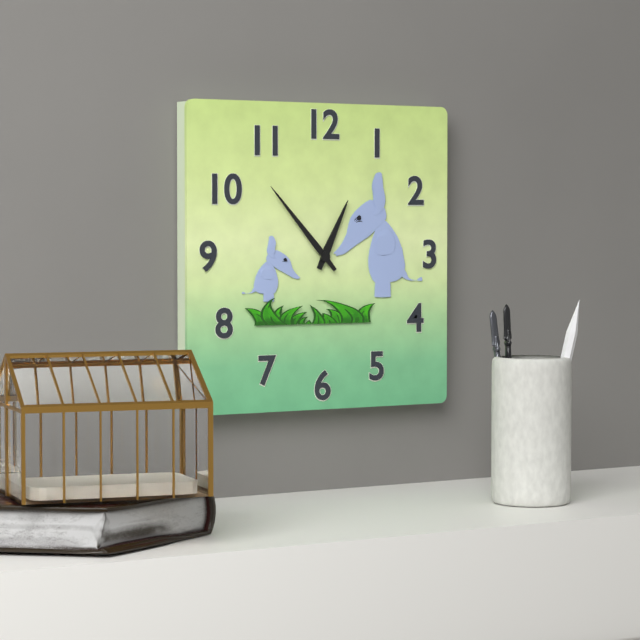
12 h 53 min
